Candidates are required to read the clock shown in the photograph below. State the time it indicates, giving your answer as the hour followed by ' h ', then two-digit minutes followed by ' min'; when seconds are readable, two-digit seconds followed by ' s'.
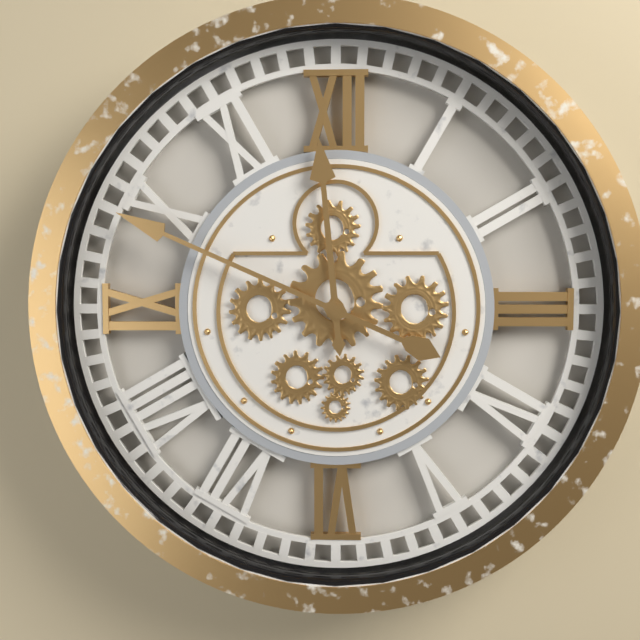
11 h 49 min
